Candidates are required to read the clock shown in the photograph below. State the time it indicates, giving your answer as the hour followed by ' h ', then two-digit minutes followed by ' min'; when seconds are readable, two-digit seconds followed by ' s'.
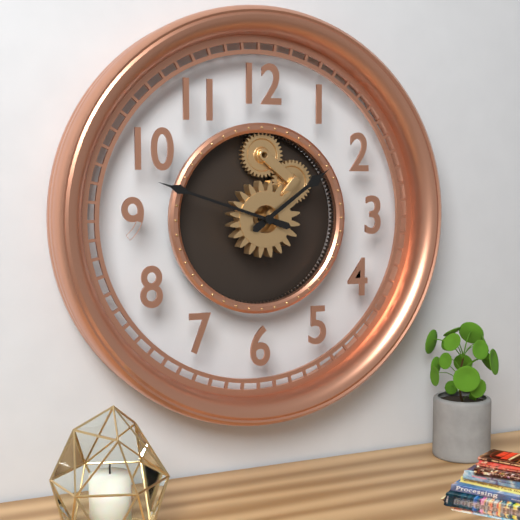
1 h 48 min
